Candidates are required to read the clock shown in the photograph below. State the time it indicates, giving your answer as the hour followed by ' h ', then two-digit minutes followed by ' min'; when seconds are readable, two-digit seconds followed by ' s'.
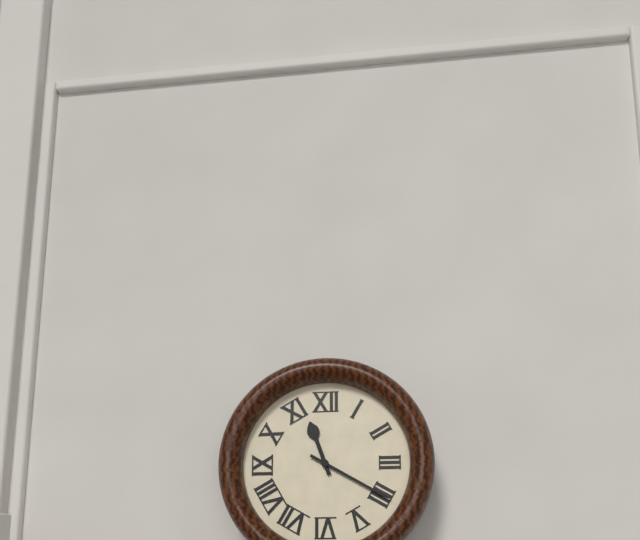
11 h 20 min
